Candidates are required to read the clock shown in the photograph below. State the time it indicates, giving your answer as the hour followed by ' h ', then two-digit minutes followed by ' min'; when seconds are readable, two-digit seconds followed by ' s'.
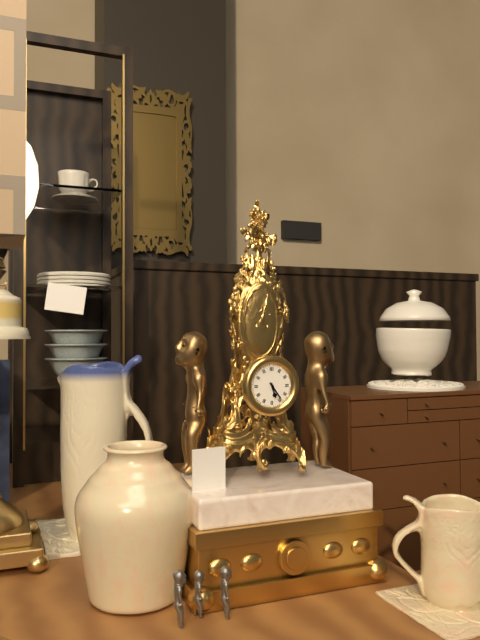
5 h 24 min
